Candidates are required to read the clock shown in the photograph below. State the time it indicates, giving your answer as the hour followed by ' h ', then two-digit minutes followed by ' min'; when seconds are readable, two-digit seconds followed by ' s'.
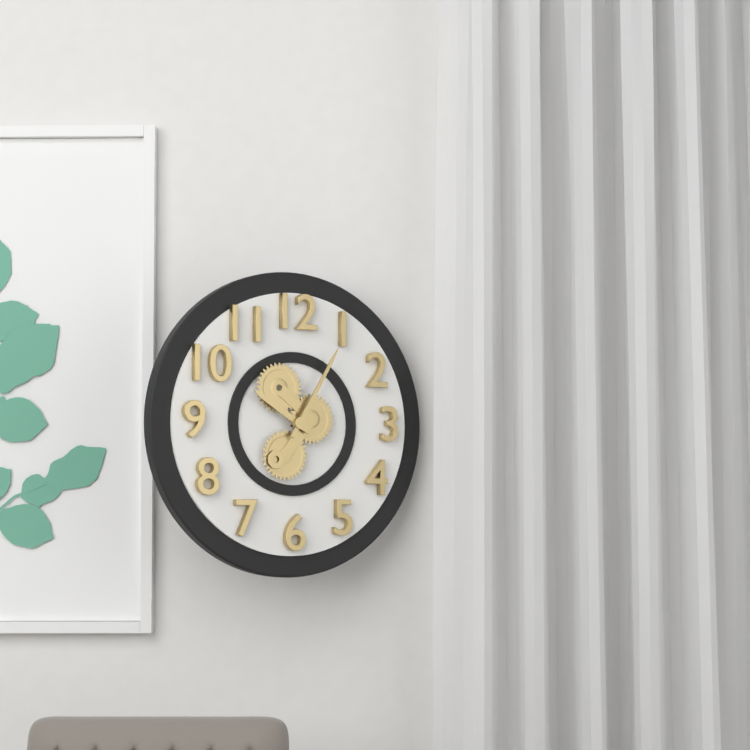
10 h 05 min
